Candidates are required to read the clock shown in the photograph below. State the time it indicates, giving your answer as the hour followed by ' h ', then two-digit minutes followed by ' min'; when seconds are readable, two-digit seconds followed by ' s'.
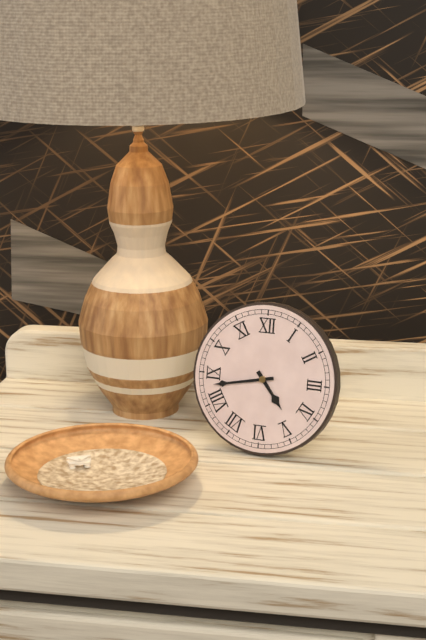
4 h 43 min
